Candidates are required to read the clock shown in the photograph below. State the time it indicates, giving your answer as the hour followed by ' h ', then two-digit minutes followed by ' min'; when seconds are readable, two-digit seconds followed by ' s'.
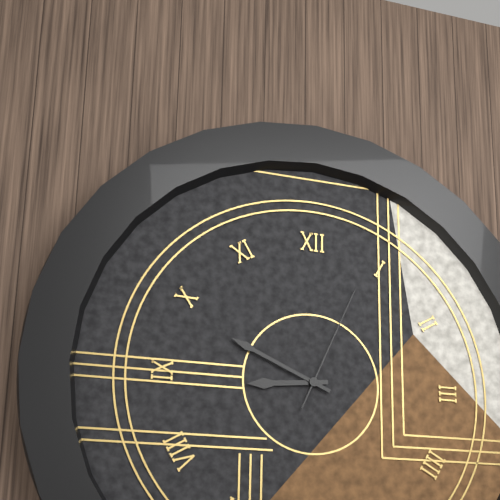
8 h 49 min 04 s
